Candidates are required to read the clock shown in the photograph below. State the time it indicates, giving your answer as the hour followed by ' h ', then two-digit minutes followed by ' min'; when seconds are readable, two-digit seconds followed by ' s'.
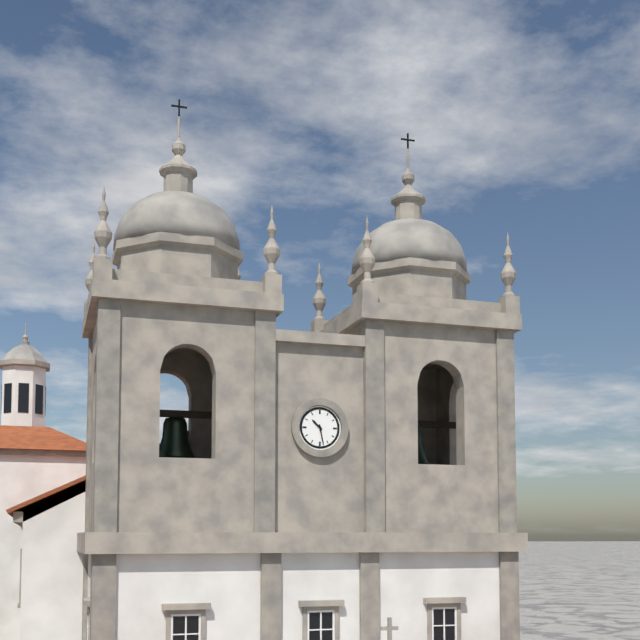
10 h 28 min
